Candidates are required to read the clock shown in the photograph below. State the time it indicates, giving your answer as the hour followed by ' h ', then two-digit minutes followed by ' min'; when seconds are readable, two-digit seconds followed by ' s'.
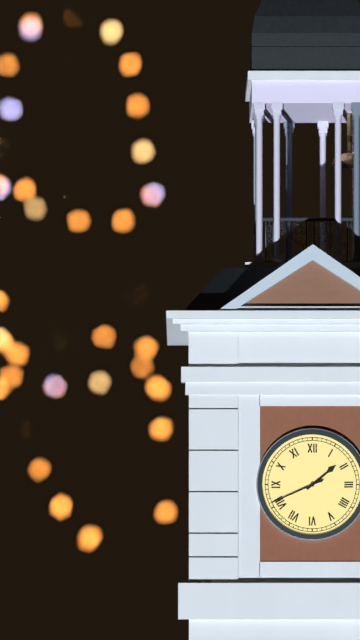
1 h 41 min
